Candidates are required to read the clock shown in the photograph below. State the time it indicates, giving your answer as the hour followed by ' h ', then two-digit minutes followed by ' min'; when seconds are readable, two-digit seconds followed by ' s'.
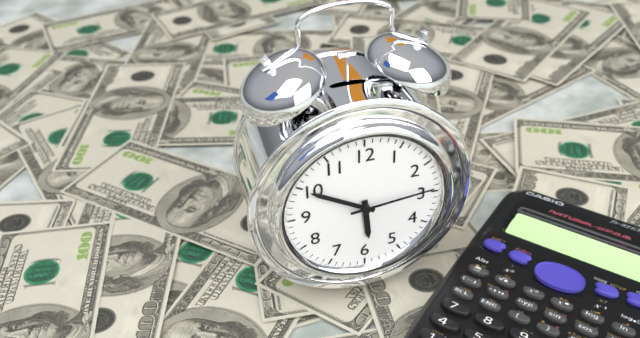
5 h 50 min 14 s
